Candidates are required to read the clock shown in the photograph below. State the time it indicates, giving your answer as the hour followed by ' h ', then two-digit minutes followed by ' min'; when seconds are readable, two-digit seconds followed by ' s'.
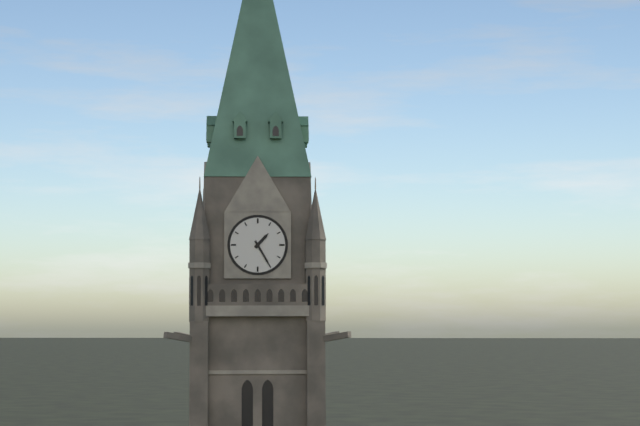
1 h 25 min
